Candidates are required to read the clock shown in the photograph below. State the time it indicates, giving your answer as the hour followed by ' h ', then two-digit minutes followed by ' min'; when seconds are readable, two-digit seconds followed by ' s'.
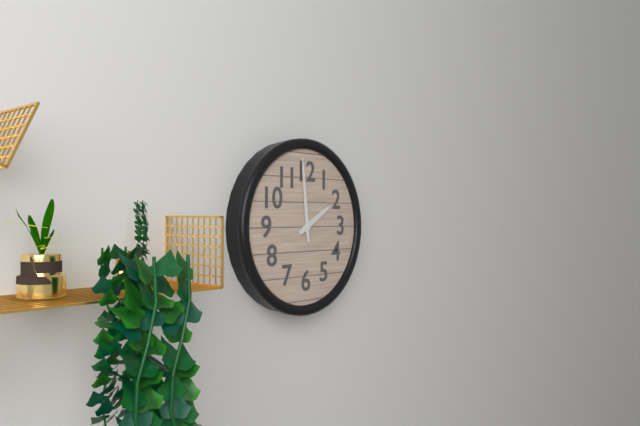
1 h 59 min
